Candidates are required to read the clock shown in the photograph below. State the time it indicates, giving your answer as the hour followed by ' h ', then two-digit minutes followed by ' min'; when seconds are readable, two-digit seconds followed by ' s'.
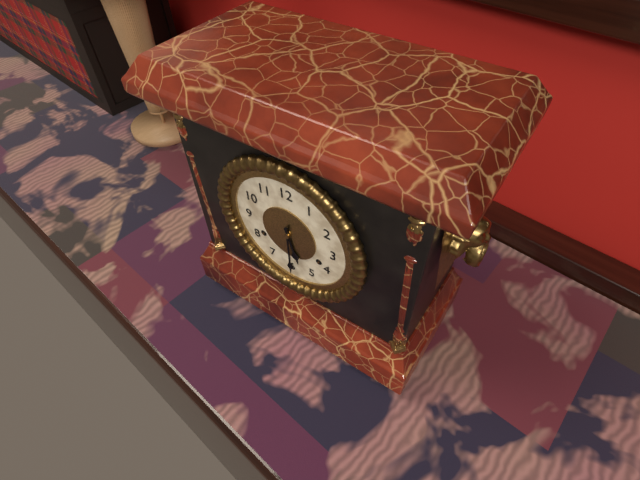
5 h 30 min
